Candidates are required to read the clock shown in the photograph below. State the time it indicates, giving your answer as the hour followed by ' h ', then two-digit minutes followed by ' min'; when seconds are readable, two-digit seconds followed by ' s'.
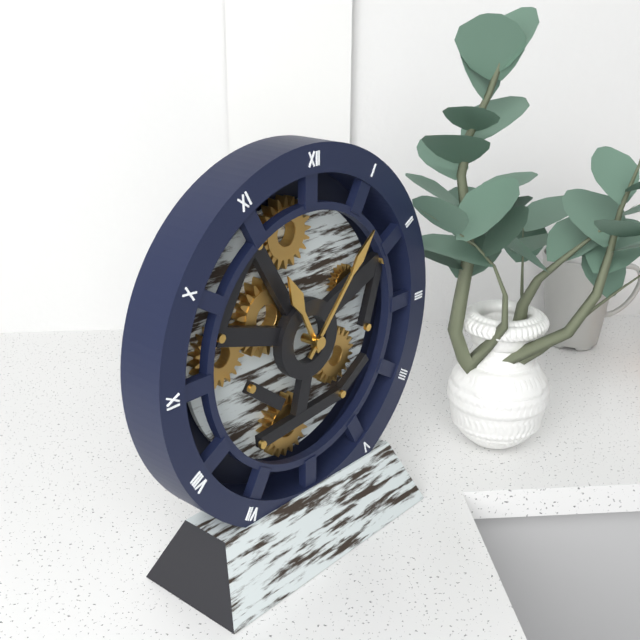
11 h 07 min
